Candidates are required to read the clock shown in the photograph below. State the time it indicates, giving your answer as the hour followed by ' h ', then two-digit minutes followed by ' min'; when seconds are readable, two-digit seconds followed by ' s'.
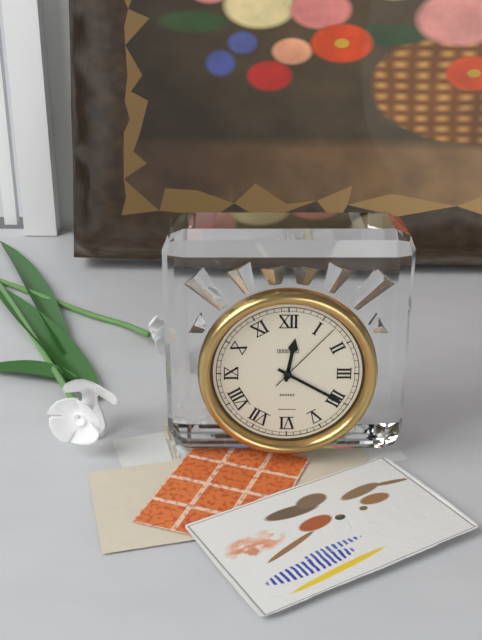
12 h 20 min 07 s
